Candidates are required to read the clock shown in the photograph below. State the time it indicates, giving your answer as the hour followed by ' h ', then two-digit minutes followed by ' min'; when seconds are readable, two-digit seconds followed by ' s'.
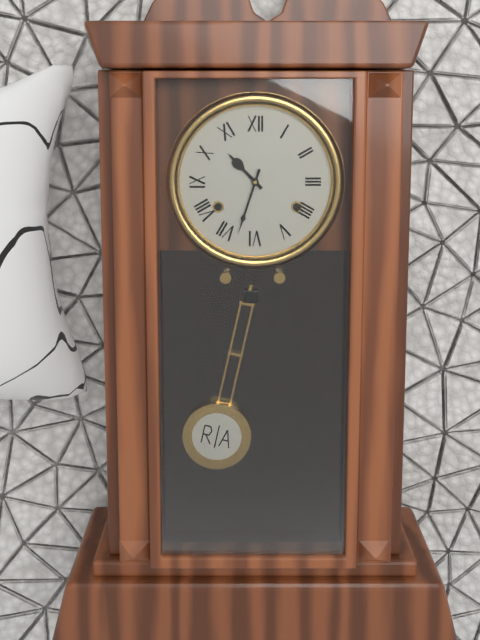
10 h 33 min
